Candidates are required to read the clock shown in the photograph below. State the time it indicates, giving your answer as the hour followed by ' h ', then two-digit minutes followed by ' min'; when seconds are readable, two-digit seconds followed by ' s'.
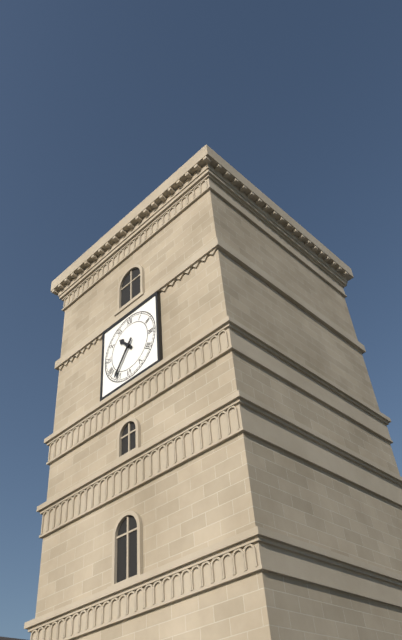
10 h 36 min
